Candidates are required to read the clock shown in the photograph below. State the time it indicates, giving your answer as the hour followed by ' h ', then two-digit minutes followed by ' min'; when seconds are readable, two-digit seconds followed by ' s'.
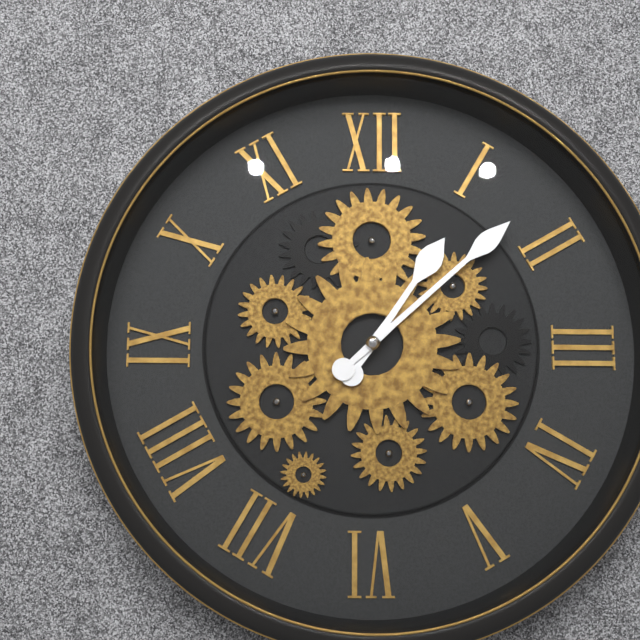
1 h 08 min
